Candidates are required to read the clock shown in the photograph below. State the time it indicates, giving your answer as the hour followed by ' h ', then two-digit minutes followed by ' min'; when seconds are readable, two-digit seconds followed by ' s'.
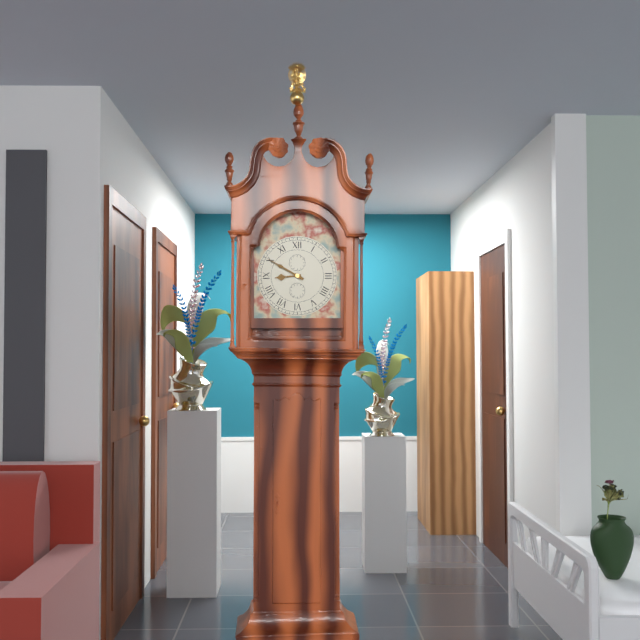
8 h 50 min
